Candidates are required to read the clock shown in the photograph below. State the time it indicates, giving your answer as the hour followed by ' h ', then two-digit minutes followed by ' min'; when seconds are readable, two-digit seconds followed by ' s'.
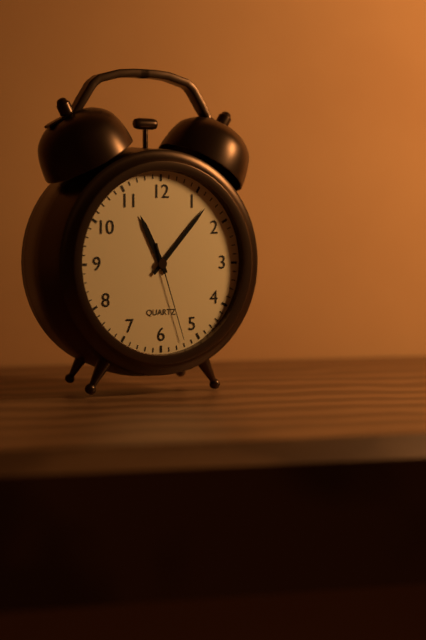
11 h 07 min 27 s
